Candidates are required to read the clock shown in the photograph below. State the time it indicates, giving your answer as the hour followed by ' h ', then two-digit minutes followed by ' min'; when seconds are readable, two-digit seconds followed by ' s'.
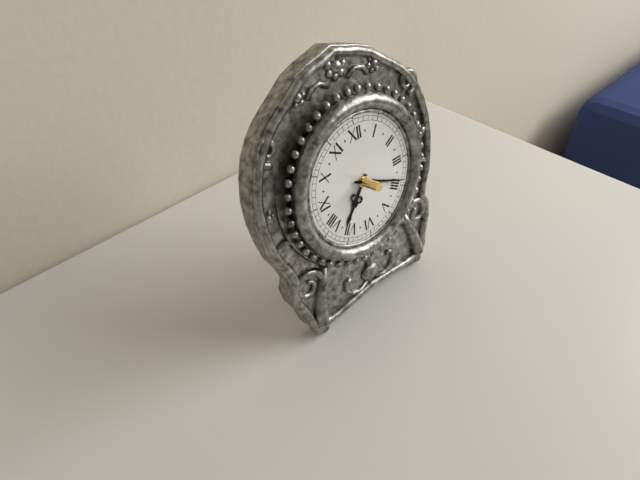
7 h 19 min
